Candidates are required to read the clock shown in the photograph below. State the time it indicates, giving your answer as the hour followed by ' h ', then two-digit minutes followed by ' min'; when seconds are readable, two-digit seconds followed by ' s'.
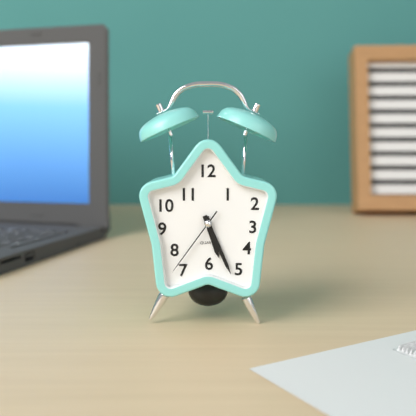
5 h 26 min 36 s
